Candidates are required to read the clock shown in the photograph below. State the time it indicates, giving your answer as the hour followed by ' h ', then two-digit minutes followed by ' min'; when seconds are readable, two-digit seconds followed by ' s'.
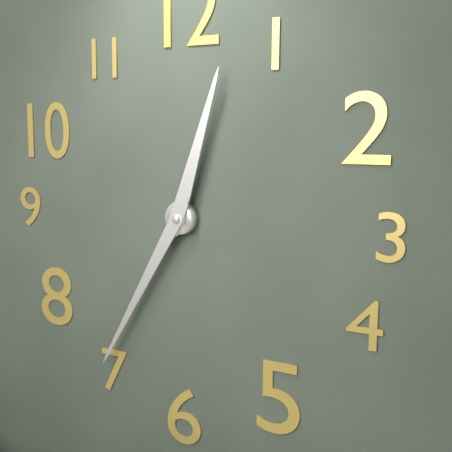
12 h 35 min
